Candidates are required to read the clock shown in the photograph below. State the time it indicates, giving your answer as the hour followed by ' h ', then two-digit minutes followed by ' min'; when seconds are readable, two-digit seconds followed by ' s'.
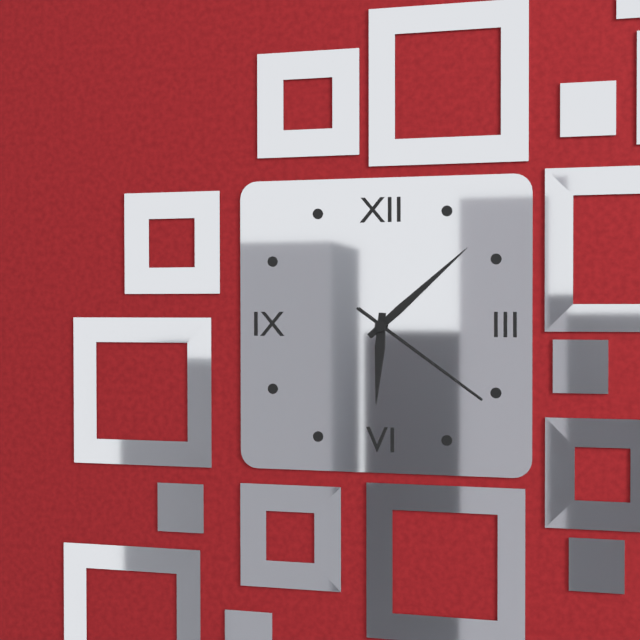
6 h 08 min 21 s
